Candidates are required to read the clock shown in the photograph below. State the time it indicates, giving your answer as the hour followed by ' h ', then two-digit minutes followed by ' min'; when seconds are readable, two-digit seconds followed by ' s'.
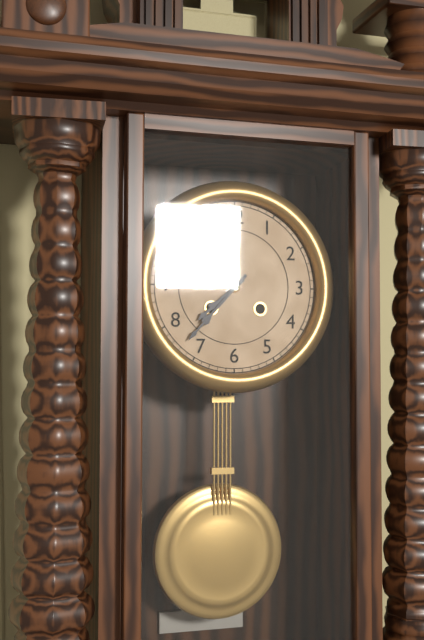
7 h 37 min
